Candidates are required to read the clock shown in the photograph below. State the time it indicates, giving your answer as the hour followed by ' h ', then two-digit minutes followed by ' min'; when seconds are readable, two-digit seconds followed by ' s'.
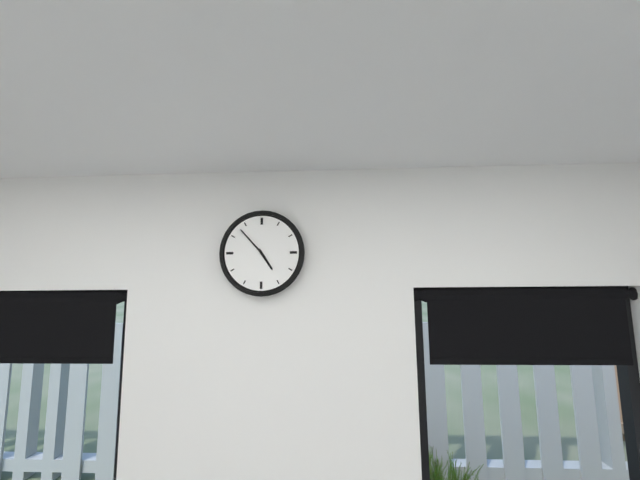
4 h 53 min
